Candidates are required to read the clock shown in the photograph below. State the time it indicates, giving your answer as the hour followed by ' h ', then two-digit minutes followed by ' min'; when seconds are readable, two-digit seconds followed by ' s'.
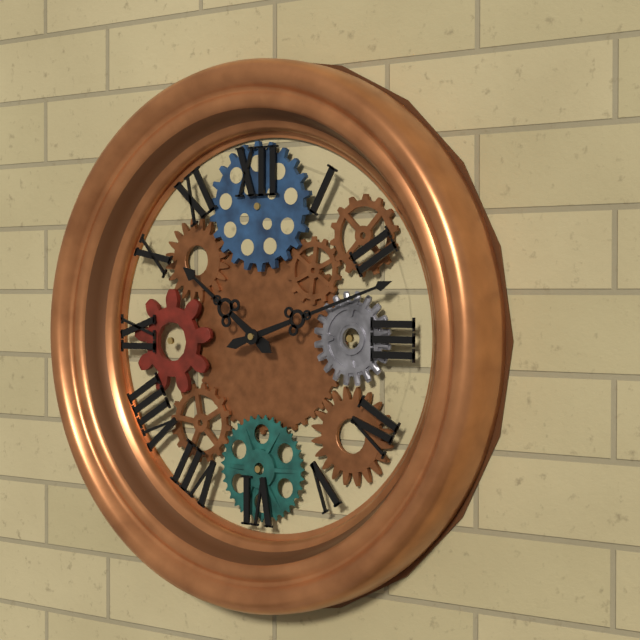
10 h 12 min
